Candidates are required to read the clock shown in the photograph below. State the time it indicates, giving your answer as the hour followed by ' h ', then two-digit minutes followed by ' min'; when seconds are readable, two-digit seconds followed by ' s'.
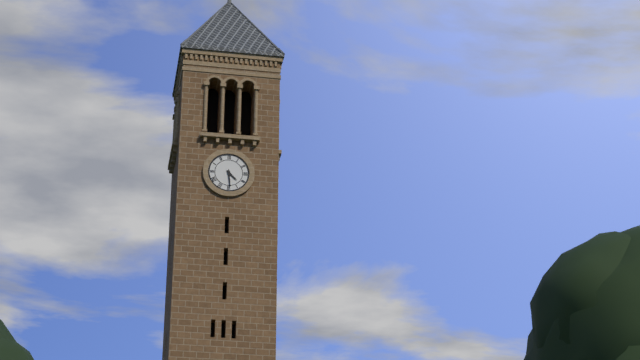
4 h 29 min
